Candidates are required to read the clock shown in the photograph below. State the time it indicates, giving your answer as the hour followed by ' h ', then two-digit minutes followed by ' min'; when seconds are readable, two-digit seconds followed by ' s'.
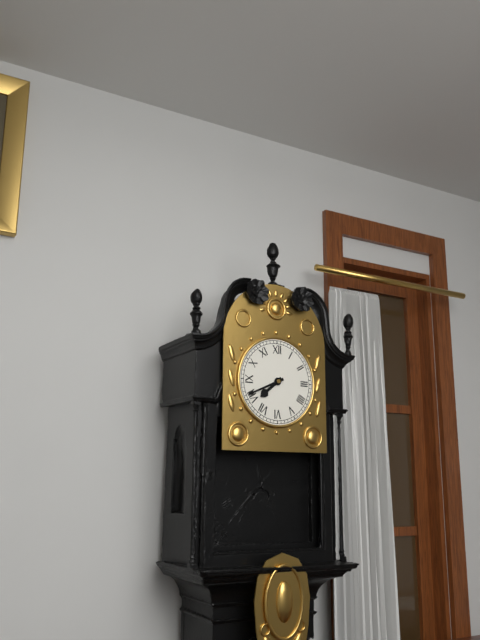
7 h 41 min
